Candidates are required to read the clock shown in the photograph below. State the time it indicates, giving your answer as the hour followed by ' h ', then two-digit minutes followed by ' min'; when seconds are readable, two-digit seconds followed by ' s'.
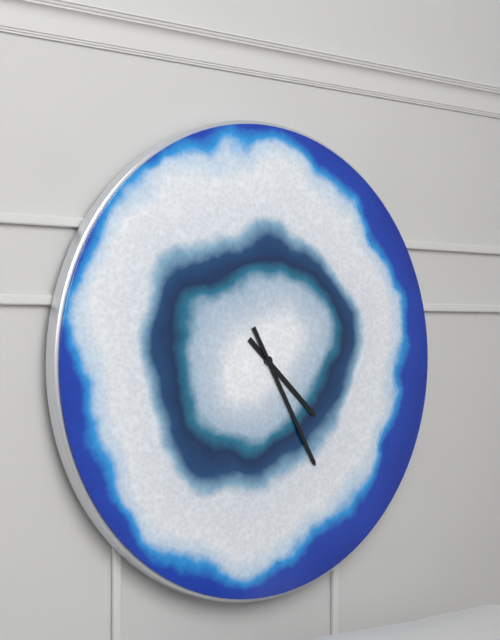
4 h 25 min
